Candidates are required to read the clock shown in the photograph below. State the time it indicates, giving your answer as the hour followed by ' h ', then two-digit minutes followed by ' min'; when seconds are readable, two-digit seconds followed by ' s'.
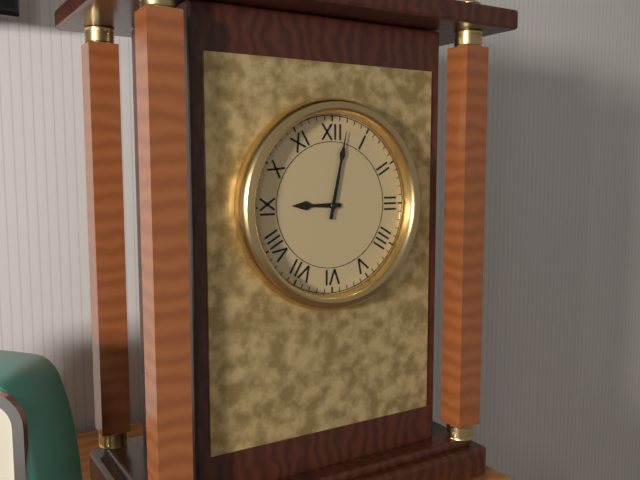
9 h 02 min
